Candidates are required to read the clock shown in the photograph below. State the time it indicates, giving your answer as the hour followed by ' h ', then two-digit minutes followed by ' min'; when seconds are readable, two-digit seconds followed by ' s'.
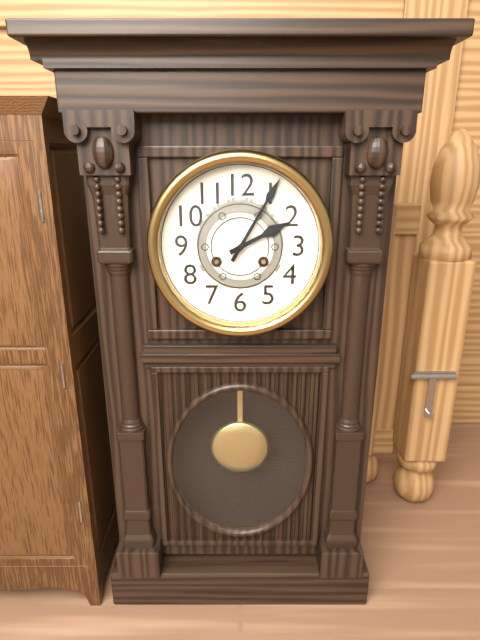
2 h 05 min
